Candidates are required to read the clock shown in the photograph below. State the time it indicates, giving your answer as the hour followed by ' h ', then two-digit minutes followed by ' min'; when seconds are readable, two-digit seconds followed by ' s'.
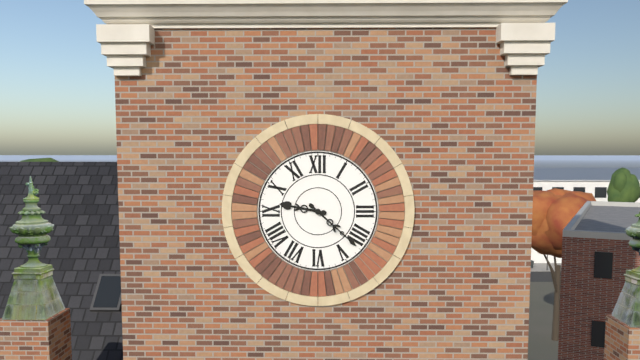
9 h 22 min
